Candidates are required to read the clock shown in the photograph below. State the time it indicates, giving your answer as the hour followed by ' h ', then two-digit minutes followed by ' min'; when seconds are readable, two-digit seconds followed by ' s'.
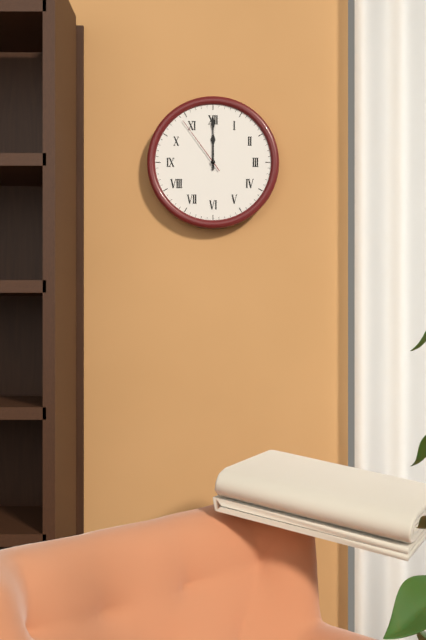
12 h 00 min 54 s
